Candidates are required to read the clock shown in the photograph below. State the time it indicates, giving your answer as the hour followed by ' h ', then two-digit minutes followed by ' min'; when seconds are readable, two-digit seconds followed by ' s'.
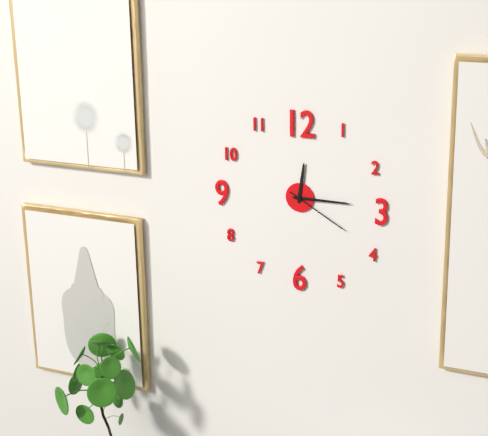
12 h 15 min 20 s
